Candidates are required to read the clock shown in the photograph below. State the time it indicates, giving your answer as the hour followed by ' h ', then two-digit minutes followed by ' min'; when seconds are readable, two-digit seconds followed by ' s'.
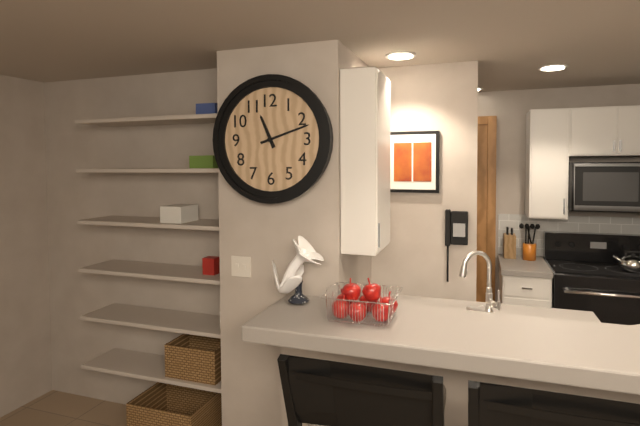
11 h 12 min
